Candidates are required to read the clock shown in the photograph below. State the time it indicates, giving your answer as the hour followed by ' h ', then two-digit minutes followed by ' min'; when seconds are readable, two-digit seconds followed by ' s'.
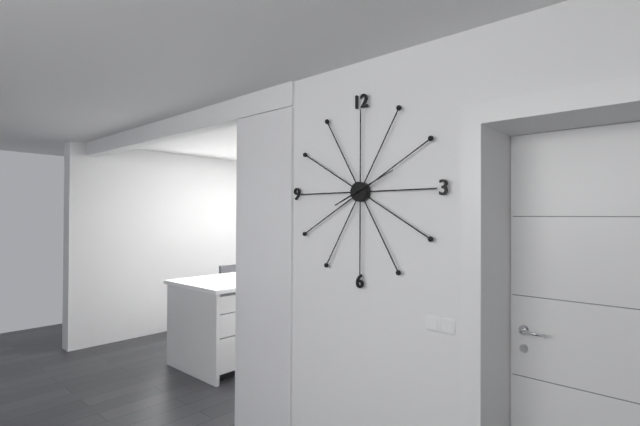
8 h 11 min
